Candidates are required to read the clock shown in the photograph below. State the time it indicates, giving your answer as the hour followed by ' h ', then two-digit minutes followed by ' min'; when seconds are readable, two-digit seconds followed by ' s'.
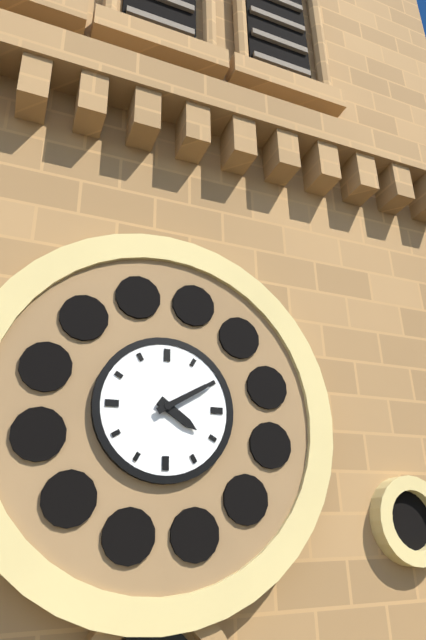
4 h 10 min
